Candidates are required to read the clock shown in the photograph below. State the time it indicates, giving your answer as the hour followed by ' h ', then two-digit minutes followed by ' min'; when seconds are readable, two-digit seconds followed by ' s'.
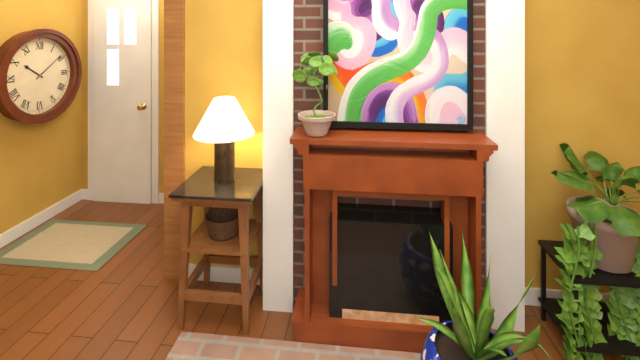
10 h 09 min
